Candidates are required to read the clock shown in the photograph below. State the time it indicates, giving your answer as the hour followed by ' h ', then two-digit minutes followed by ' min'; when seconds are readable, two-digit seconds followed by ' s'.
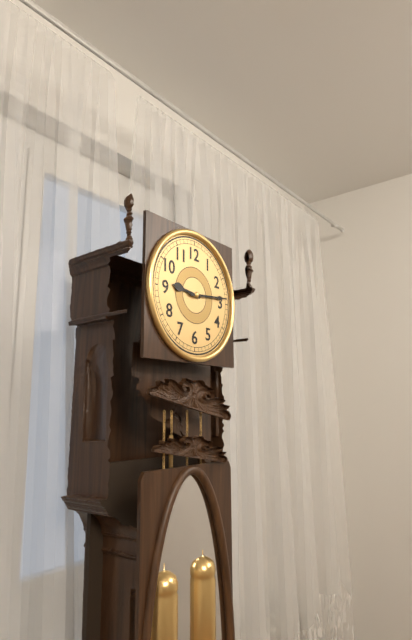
9 h 14 min
